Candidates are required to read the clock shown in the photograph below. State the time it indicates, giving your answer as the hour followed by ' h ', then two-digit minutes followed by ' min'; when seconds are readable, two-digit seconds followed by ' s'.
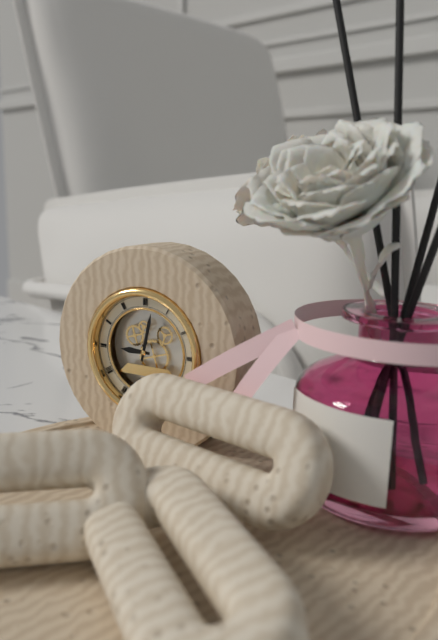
9 h 02 min
